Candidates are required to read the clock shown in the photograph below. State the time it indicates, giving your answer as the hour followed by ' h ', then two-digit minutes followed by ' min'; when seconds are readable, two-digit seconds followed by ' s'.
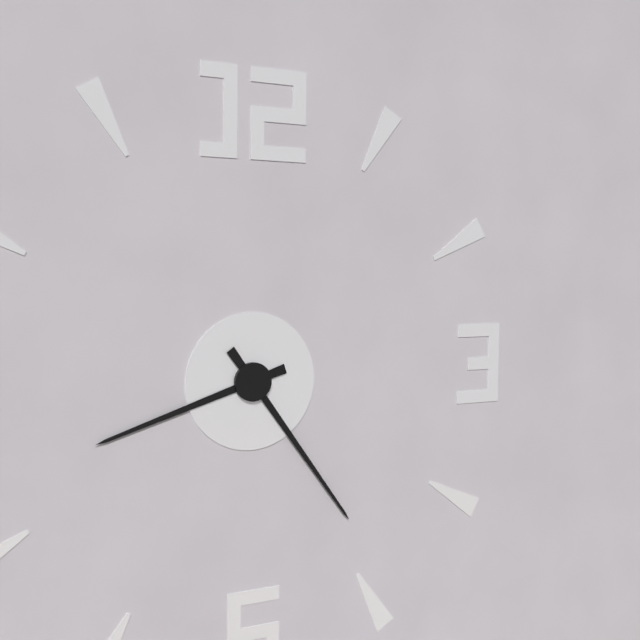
8 h 24 min
